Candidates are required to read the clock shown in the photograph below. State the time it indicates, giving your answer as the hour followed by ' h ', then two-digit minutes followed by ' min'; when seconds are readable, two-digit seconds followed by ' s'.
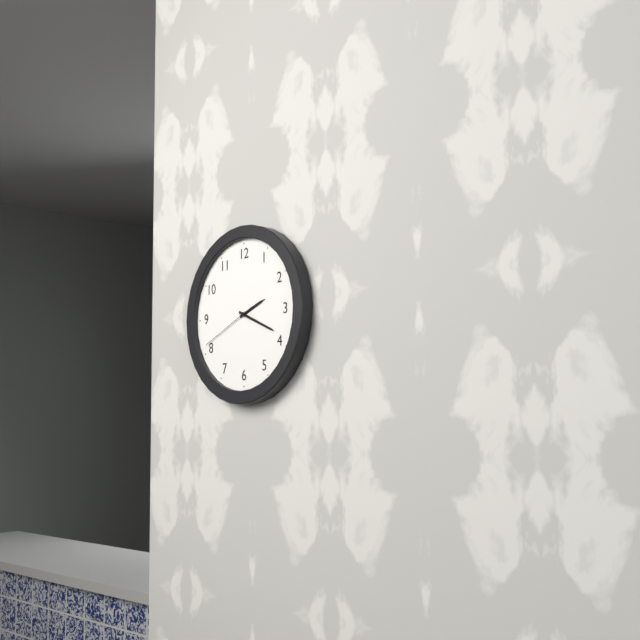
2 h 19 min 41 s
